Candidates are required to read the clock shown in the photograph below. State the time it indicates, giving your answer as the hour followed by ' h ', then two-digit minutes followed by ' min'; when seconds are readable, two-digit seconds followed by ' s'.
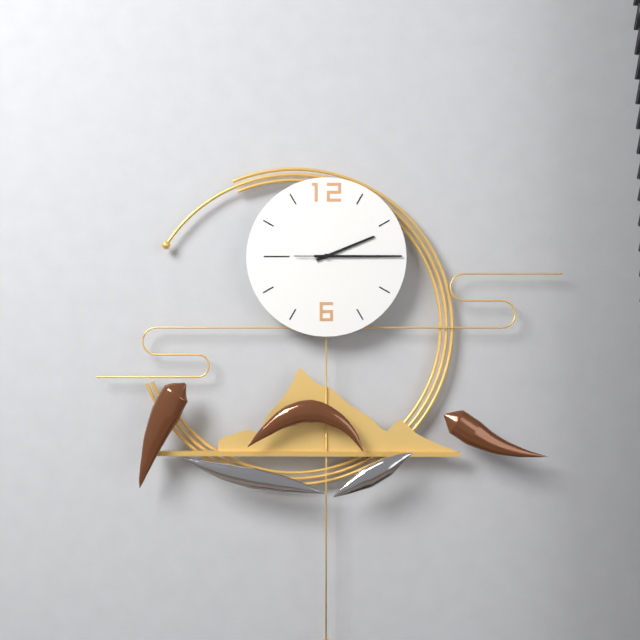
2 h 15 min 15 s
